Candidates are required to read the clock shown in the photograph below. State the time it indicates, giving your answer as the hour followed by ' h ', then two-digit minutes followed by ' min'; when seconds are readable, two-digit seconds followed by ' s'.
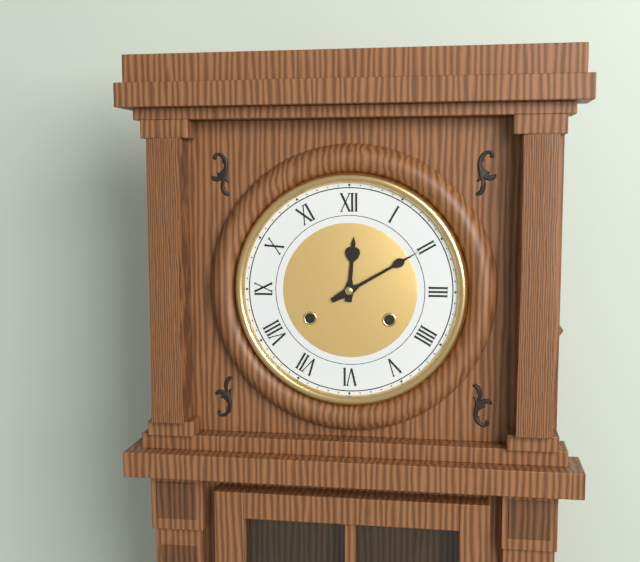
12 h 10 min
